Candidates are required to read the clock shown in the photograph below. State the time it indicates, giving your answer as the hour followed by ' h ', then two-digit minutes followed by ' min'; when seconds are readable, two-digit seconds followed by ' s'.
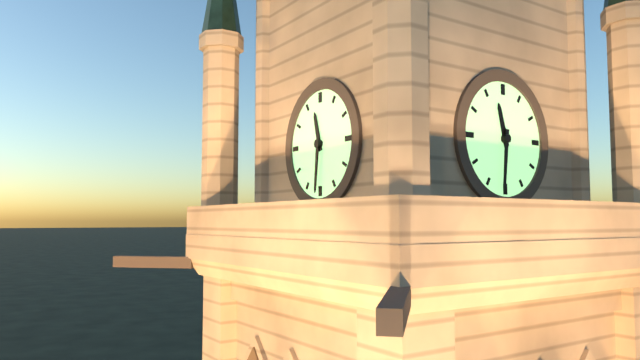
11 h 31 min
